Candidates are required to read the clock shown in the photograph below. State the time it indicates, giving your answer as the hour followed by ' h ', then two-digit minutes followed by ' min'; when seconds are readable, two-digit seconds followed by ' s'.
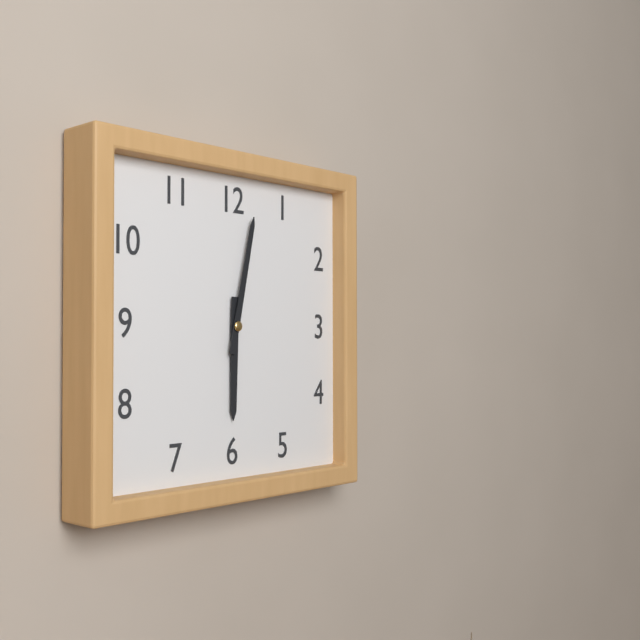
6 h 02 min
